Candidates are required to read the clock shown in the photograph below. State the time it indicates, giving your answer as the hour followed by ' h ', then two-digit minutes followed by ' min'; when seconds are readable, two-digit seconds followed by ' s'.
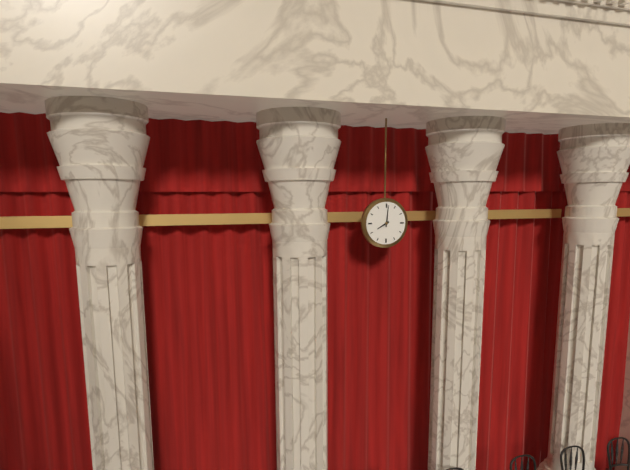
8 h 01 min
